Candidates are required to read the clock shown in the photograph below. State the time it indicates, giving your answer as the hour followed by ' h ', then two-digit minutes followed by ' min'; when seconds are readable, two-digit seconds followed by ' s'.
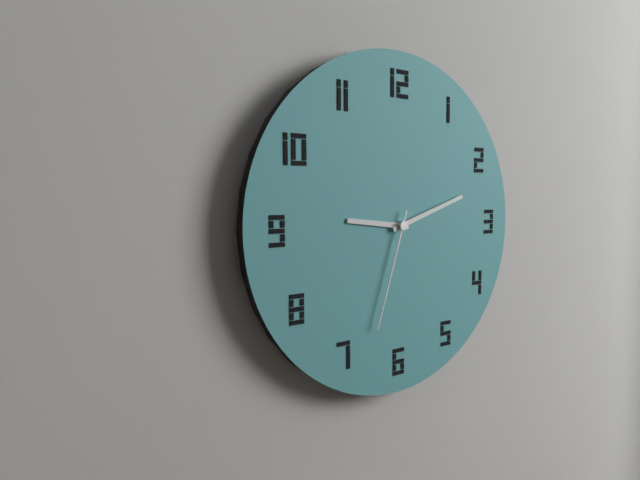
9 h 12 min 33 s
